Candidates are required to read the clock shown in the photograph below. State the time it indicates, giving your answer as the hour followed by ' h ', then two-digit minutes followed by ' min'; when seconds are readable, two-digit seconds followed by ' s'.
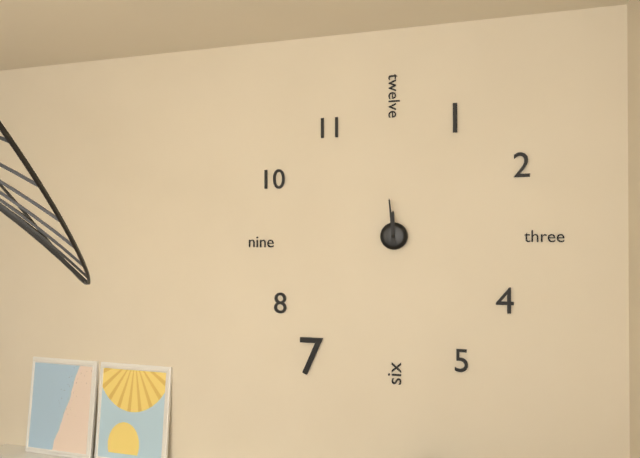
11 h 59 min
